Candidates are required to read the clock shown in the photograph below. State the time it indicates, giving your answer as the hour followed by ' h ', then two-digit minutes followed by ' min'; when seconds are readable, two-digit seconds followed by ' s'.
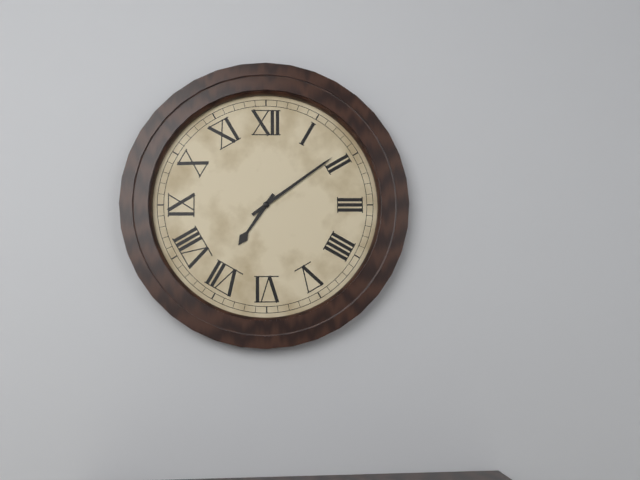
7 h 09 min
